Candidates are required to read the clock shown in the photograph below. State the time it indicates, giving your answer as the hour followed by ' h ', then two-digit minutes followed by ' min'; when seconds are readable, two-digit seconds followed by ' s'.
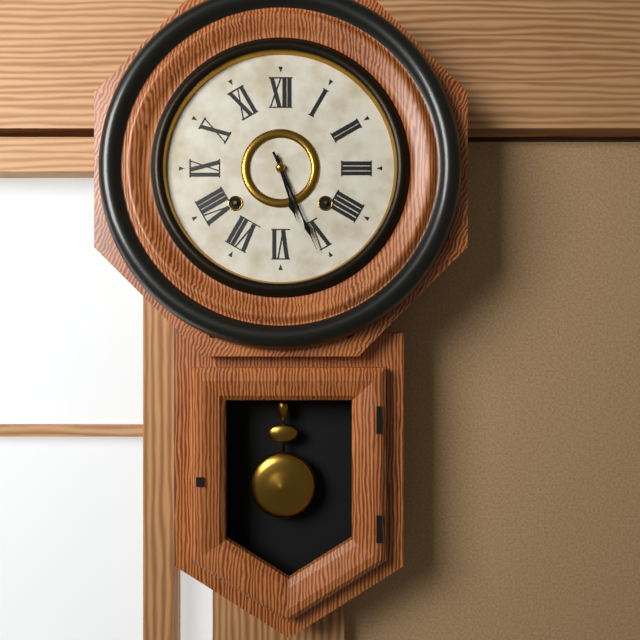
5 h 26 min
